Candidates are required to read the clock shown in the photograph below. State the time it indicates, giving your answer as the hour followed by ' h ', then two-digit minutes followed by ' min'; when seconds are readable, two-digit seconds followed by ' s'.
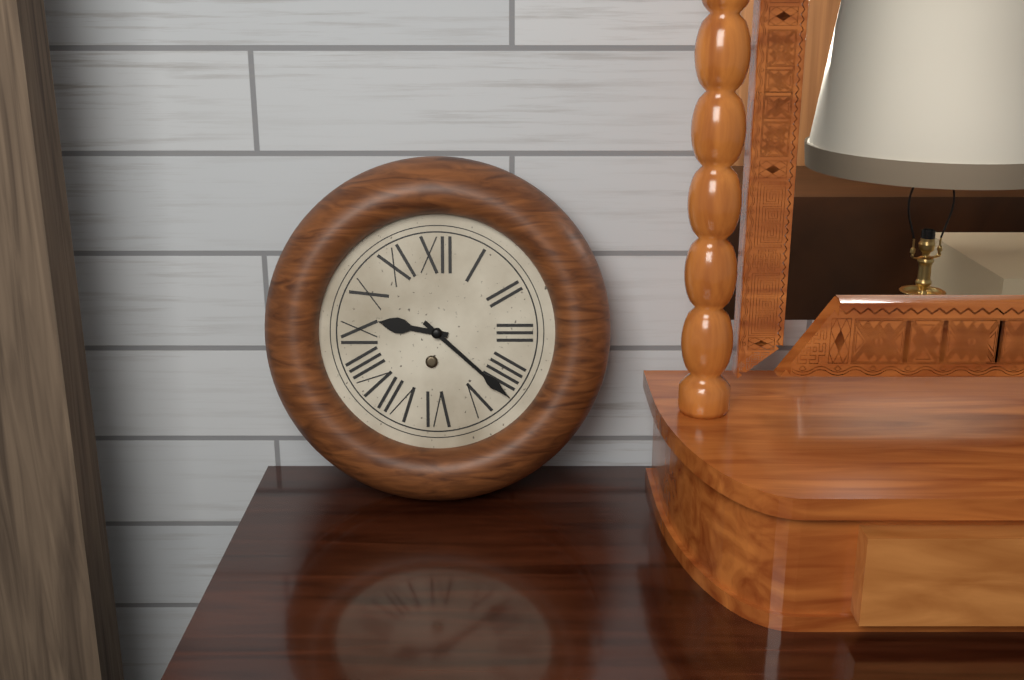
9 h 22 min
